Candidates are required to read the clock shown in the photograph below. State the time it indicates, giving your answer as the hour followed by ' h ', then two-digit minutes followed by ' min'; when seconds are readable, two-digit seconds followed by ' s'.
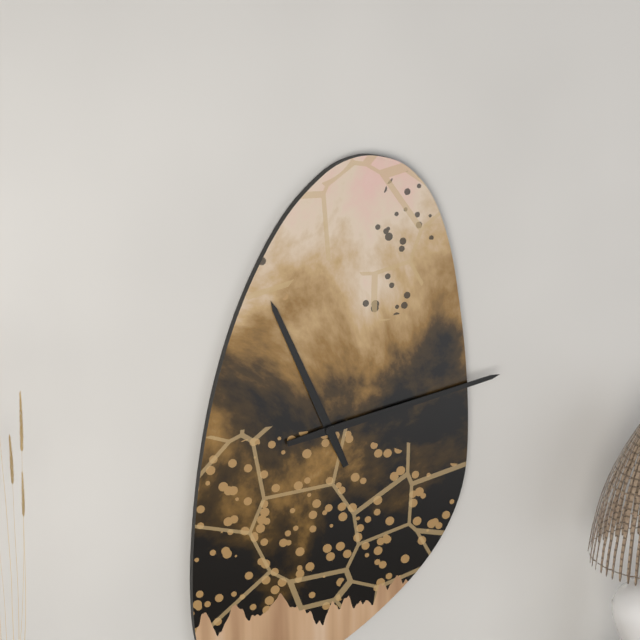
11 h 13 min
